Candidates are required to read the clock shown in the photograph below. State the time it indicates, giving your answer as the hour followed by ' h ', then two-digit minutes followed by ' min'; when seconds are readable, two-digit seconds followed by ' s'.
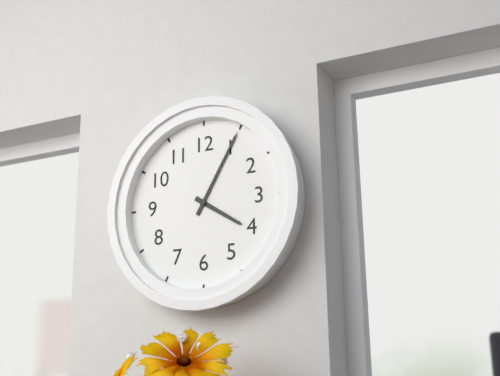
4 h 05 min
